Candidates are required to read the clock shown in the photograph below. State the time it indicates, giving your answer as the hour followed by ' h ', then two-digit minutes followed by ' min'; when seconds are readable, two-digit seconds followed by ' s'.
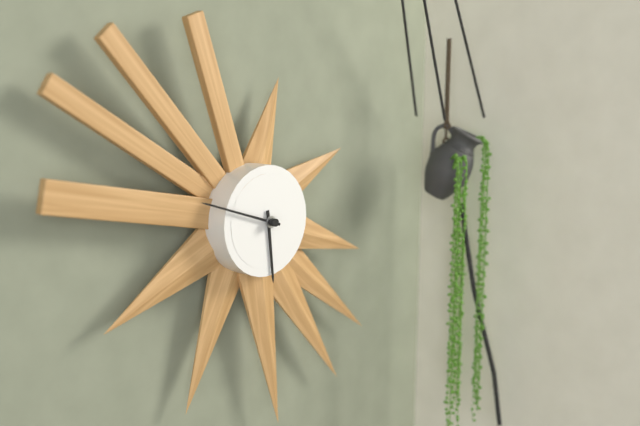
5 h 48 min
